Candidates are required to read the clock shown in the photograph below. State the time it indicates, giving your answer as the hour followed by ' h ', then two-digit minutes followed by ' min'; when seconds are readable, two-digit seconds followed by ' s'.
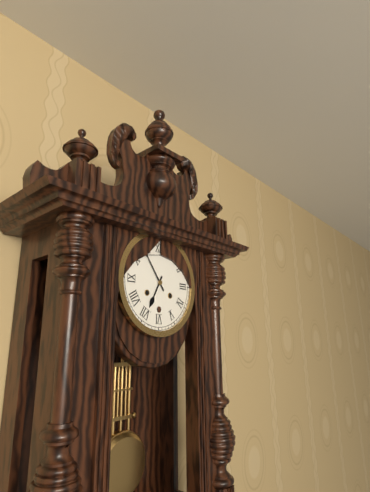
6 h 54 min
